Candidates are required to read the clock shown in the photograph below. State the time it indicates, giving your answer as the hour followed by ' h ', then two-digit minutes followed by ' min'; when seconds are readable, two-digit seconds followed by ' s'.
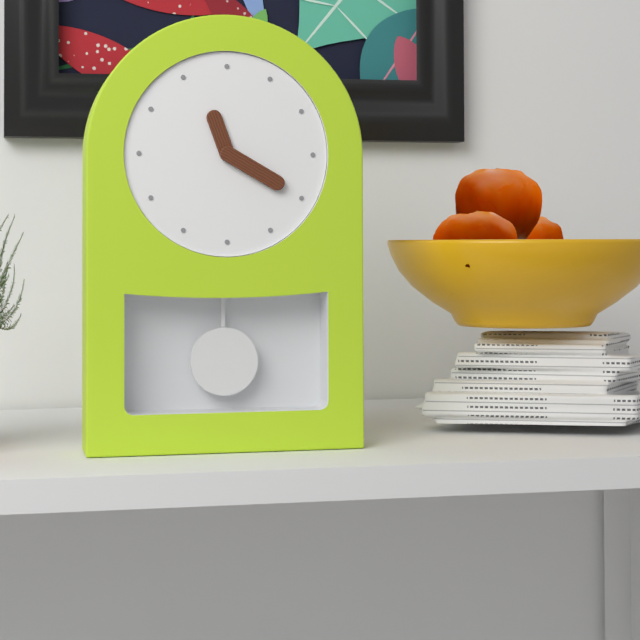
11 h 20 min
